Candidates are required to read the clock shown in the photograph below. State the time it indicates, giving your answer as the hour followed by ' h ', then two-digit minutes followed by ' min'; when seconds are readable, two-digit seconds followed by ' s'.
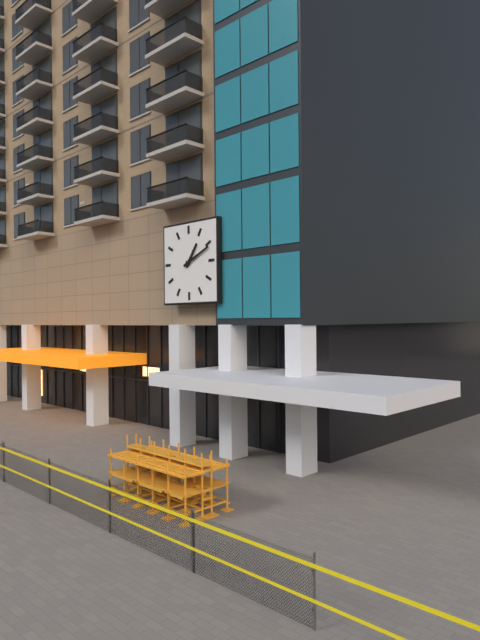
1 h 11 min
